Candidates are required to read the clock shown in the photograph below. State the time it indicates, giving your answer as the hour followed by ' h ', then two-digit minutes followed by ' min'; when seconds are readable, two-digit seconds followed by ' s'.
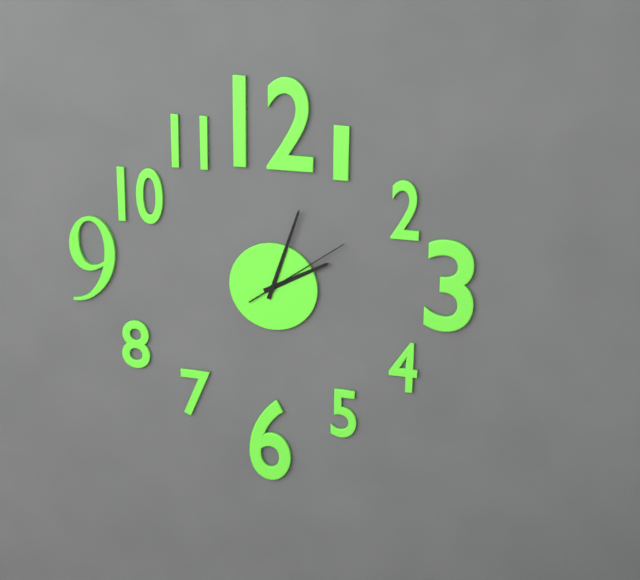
2 h 03 min 09 s
